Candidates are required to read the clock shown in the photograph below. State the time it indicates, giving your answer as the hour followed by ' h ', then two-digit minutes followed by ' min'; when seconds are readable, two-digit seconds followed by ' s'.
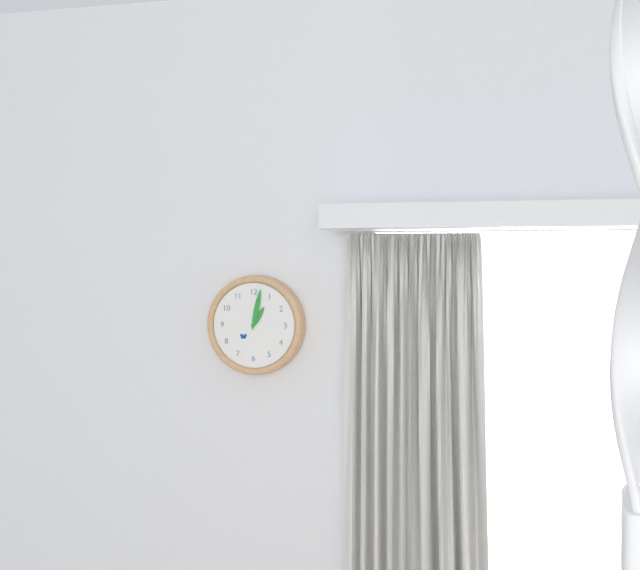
1 h 02 min
